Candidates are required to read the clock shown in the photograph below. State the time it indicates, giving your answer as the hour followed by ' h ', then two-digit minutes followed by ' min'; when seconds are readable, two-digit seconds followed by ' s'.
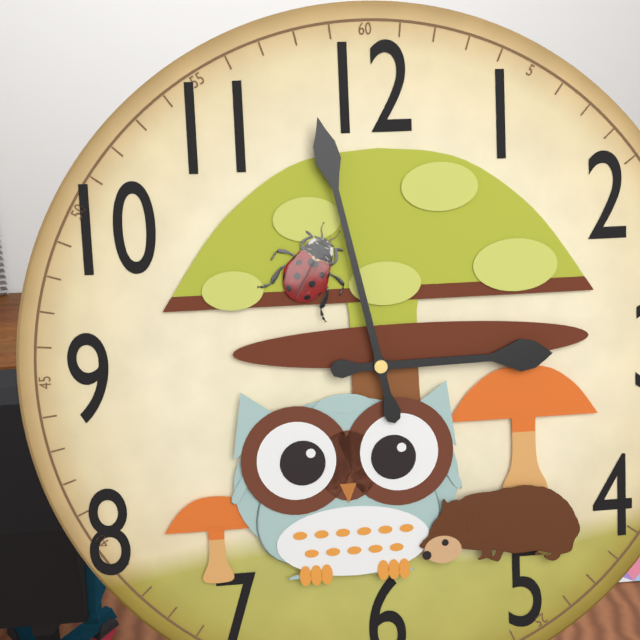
2 h 58 min
